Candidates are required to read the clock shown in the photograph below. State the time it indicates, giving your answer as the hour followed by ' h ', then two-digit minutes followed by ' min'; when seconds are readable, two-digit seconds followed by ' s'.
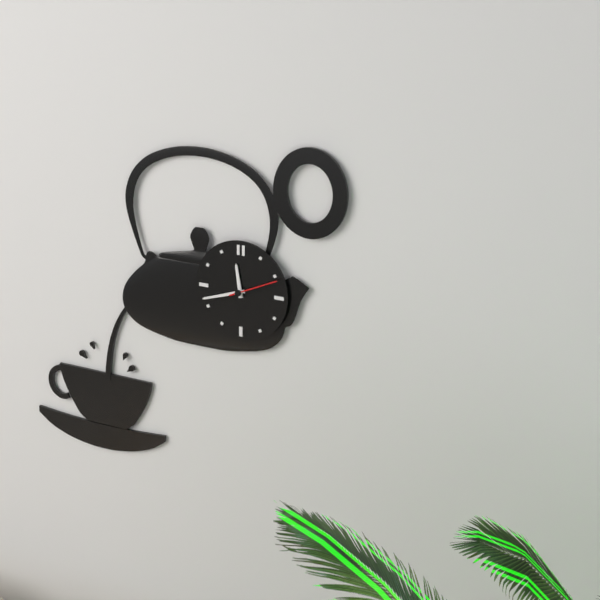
11 h 42 min 11 s
